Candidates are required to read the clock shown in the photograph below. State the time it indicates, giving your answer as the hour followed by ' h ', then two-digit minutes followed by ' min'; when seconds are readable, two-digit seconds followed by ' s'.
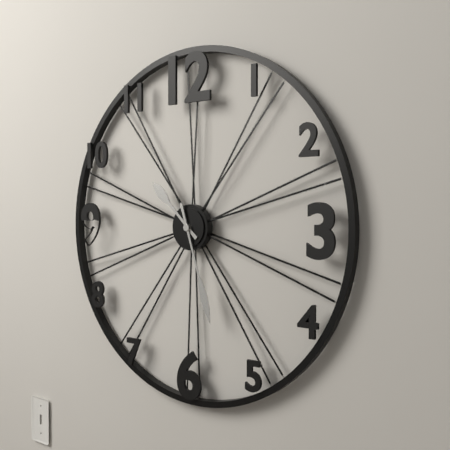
10 h 27 min
